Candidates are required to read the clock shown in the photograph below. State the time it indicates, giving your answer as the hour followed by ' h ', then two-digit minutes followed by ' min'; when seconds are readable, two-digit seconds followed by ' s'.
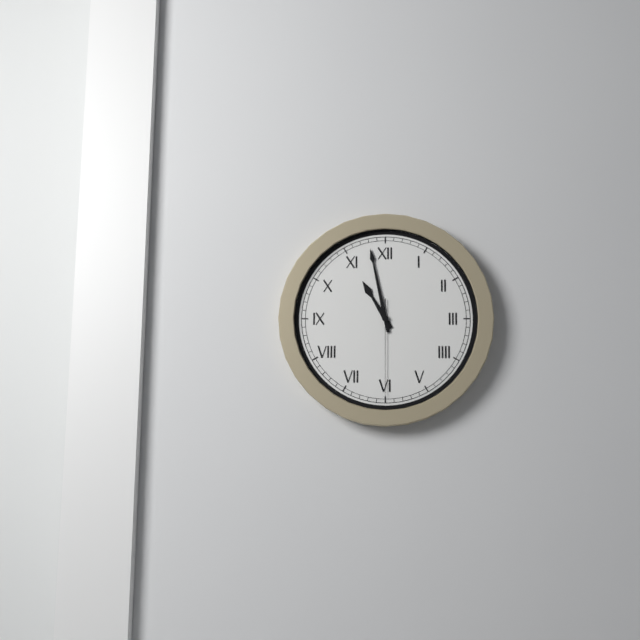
10 h 58 min 30 s
